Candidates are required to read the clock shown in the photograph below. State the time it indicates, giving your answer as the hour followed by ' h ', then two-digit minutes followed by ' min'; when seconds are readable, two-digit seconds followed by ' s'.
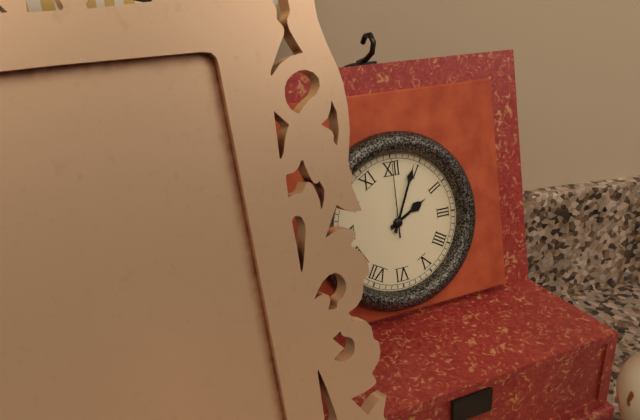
2 h 04 min 00 s
